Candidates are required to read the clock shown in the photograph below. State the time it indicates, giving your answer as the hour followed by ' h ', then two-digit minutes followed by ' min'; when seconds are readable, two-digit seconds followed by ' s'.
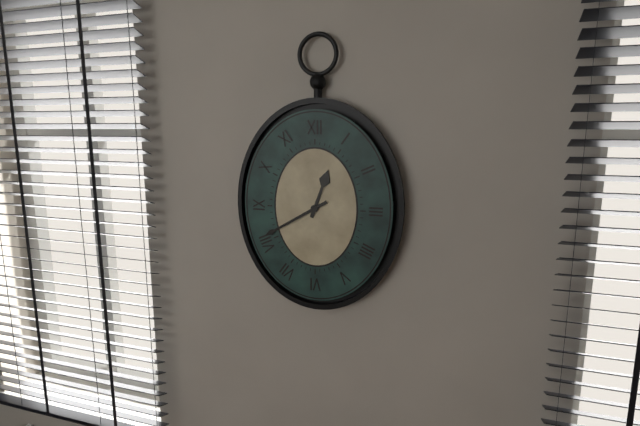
12 h 40 min
